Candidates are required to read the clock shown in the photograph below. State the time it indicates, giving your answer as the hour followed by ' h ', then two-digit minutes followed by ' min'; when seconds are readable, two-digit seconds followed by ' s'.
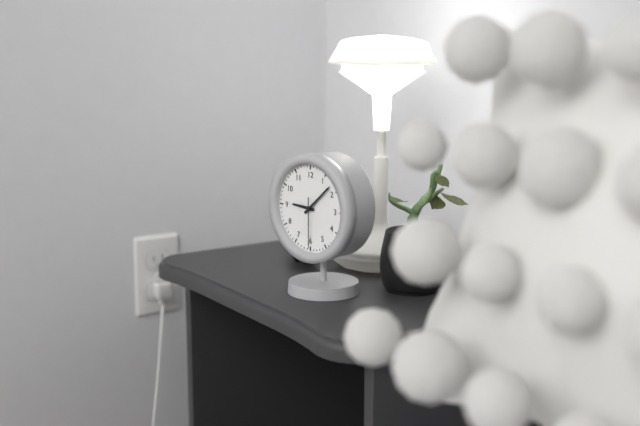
9 h 08 min 30 s
